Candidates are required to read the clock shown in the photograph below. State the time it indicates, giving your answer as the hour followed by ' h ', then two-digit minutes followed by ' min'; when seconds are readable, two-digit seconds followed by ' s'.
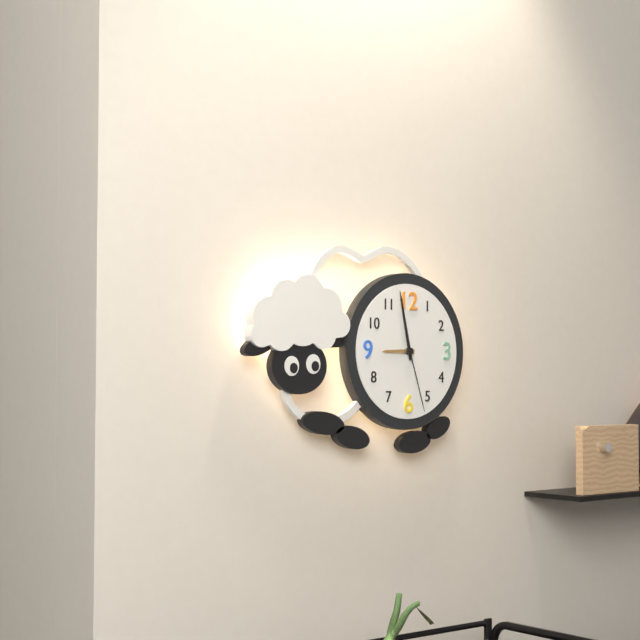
8 h 58 min 27 s
